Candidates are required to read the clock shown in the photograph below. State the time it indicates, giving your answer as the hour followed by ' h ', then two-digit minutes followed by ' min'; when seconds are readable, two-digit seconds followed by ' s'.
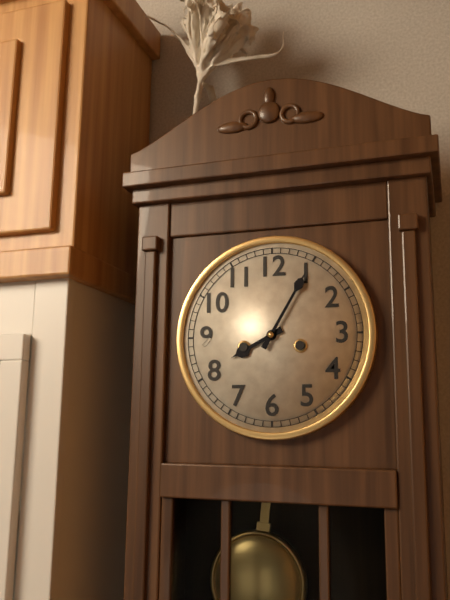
8 h 05 min
